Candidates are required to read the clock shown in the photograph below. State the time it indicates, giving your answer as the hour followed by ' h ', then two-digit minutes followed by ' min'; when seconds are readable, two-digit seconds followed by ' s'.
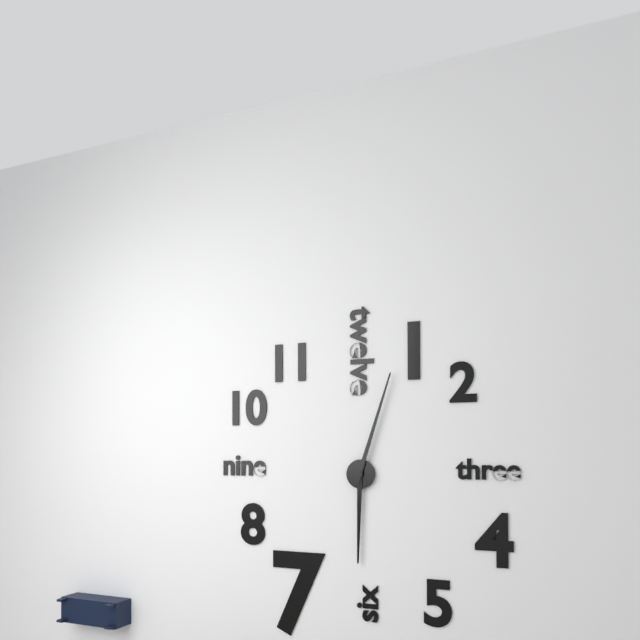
6 h 03 min
